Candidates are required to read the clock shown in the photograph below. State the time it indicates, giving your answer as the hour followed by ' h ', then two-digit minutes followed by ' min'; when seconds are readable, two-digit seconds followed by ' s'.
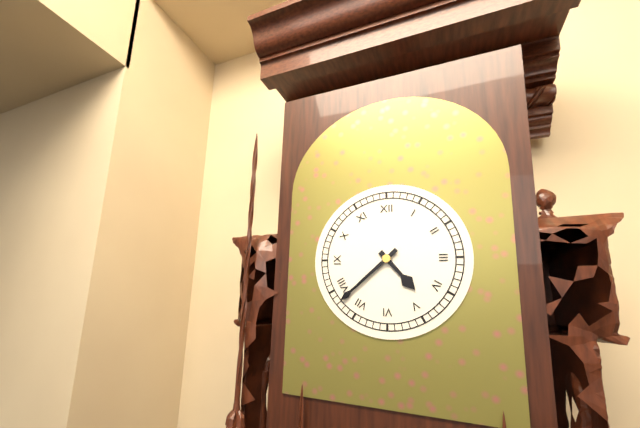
4 h 38 min
